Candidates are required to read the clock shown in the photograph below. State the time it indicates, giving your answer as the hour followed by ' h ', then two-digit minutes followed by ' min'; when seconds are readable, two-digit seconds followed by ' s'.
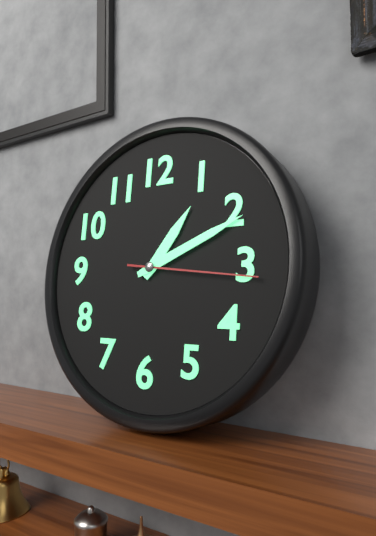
1 h 11 min 16 s
